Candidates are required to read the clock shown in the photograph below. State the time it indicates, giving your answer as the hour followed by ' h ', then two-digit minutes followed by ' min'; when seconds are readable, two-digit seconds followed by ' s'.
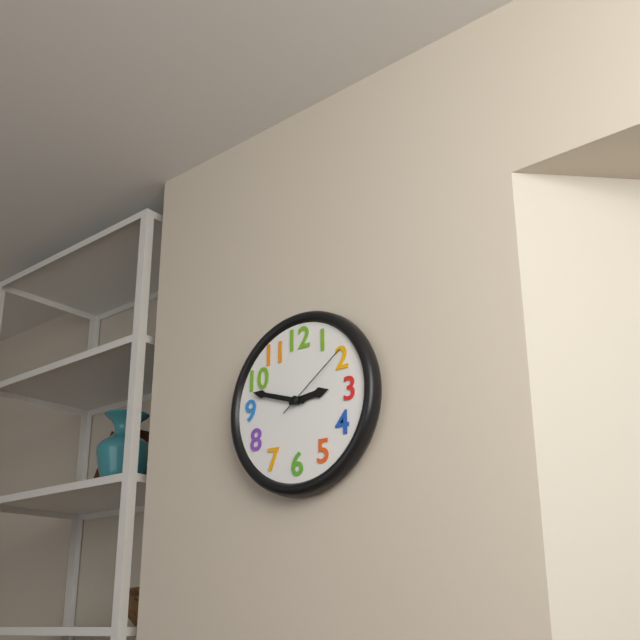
2 h 48 min 09 s
